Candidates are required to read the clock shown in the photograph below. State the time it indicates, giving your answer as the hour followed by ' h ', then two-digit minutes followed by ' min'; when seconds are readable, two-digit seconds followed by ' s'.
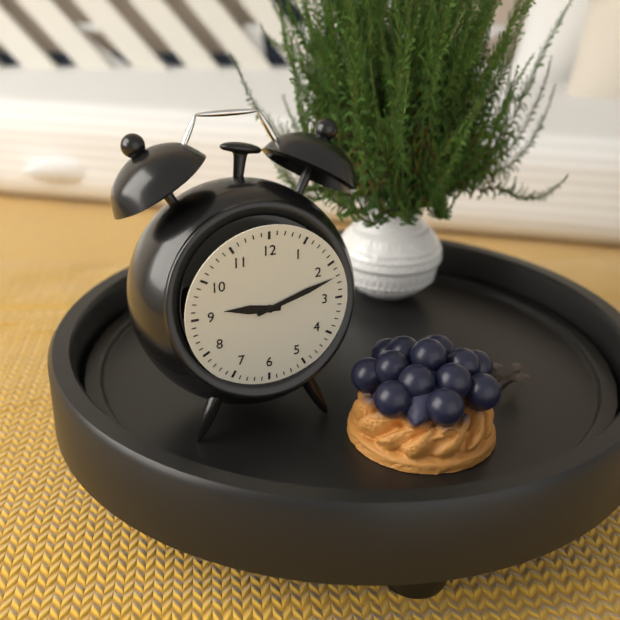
9 h 12 min
